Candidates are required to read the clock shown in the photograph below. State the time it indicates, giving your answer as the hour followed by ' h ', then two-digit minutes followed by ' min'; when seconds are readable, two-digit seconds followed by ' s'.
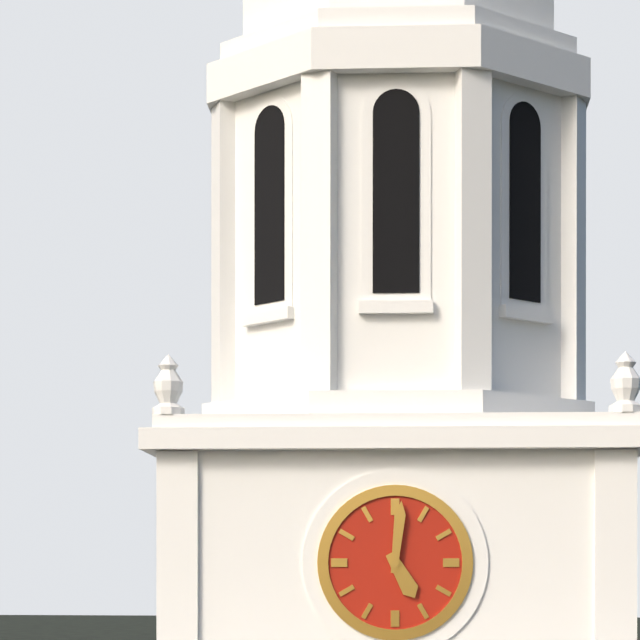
5 h 01 min
